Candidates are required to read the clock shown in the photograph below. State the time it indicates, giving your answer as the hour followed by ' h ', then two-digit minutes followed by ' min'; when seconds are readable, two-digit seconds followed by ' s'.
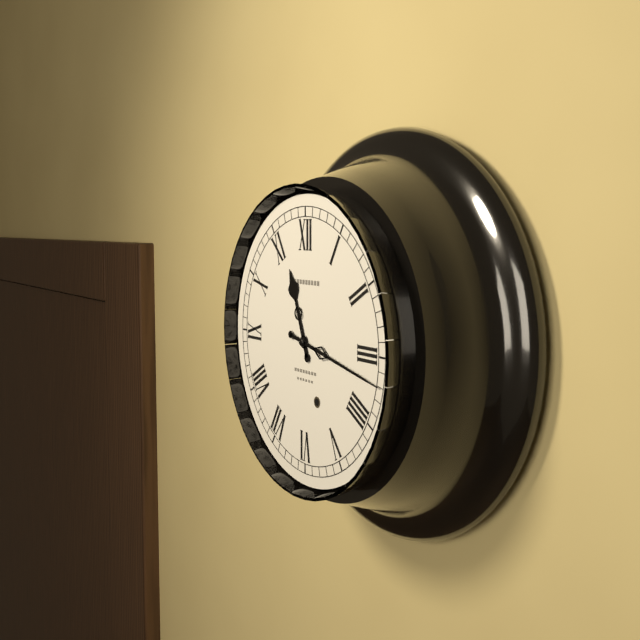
11 h 17 min
